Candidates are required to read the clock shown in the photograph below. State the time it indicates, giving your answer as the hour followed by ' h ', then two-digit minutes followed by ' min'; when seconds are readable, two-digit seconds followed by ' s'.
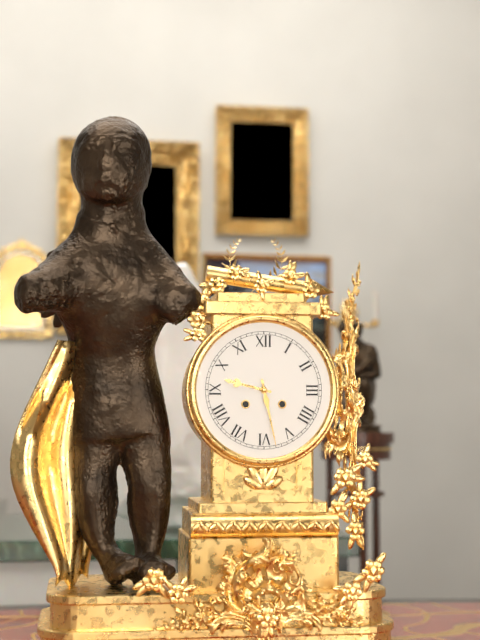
9 h 28 min
